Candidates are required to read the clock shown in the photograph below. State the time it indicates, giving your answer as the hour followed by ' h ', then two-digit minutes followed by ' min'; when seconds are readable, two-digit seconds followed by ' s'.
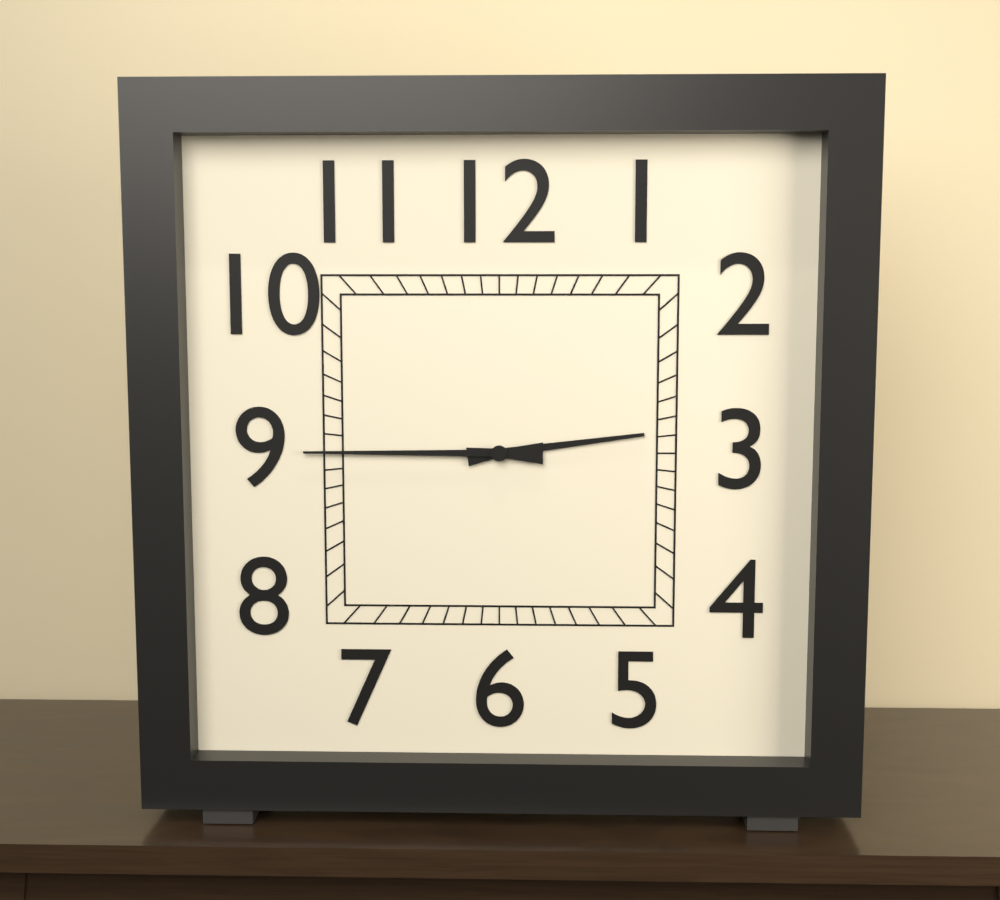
2 h 45 min
